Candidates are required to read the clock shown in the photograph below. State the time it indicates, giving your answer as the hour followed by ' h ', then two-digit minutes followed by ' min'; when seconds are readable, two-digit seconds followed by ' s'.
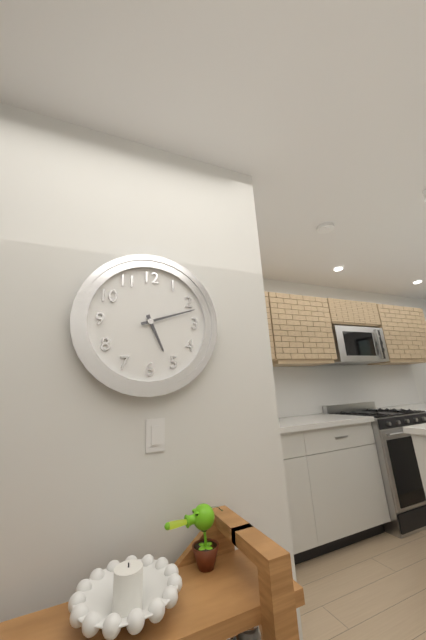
5 h 12 min
